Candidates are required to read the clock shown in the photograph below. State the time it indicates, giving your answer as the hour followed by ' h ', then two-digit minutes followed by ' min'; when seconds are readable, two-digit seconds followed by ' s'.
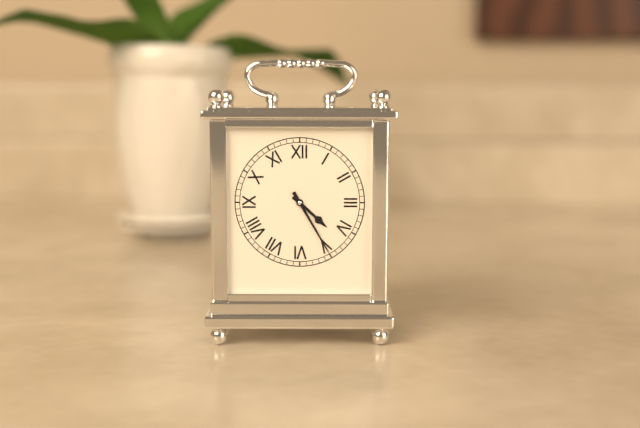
4 h 25 min
